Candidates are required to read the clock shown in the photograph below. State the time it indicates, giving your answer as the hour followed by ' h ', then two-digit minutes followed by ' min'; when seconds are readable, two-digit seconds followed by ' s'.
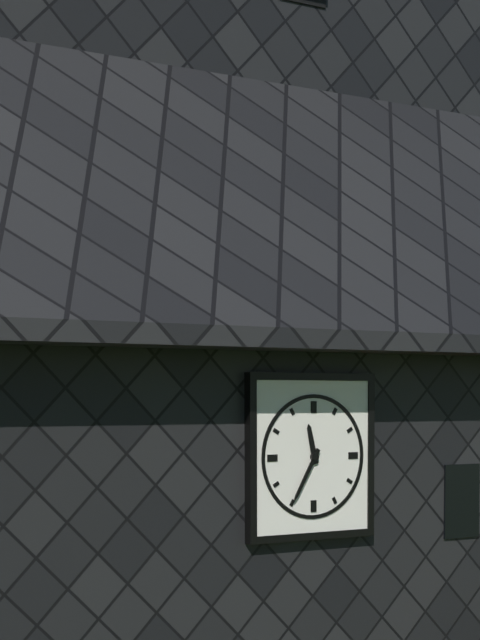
11 h 35 min
